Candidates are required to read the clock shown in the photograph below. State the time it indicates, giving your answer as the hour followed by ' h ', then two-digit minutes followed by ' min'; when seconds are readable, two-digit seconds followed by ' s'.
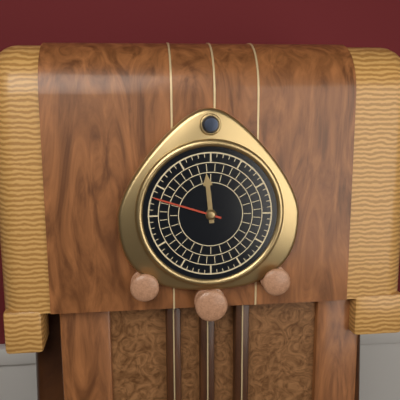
11 h 48 min
